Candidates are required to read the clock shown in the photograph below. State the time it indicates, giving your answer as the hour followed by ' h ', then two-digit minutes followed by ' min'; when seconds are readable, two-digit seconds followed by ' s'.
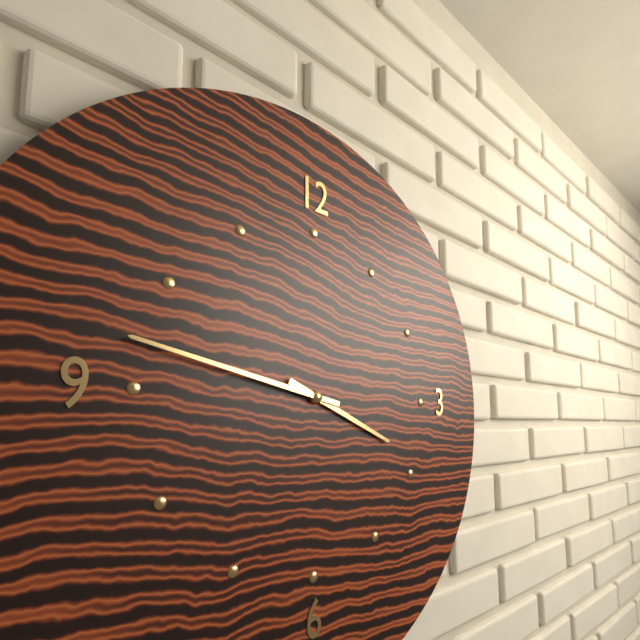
3 h 47 min
